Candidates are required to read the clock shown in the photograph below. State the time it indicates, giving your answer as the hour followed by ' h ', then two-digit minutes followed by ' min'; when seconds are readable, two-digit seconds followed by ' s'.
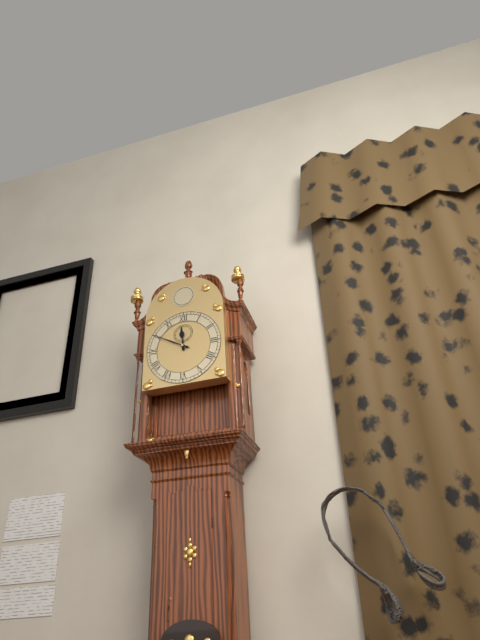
11 h 50 min
